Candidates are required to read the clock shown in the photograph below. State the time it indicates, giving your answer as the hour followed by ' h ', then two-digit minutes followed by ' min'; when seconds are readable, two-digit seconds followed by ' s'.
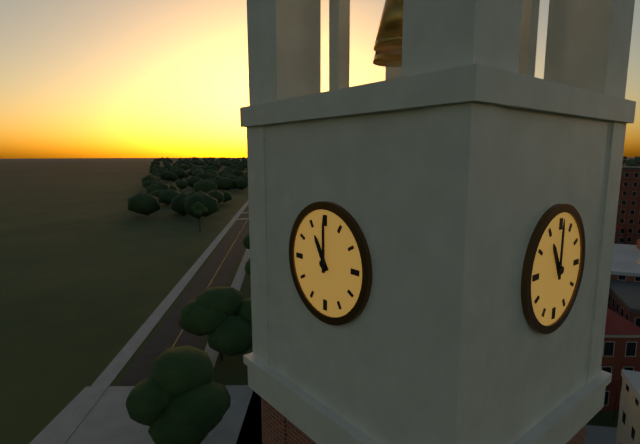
11 h 00 min
